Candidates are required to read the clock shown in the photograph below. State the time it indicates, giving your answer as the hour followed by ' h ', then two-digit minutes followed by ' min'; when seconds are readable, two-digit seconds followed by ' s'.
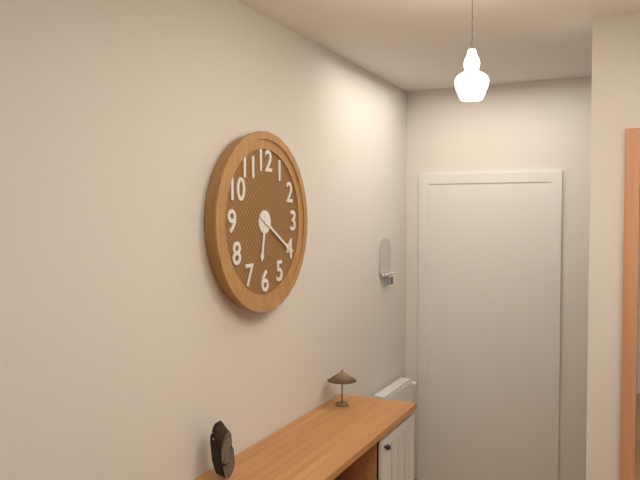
6 h 20 min
